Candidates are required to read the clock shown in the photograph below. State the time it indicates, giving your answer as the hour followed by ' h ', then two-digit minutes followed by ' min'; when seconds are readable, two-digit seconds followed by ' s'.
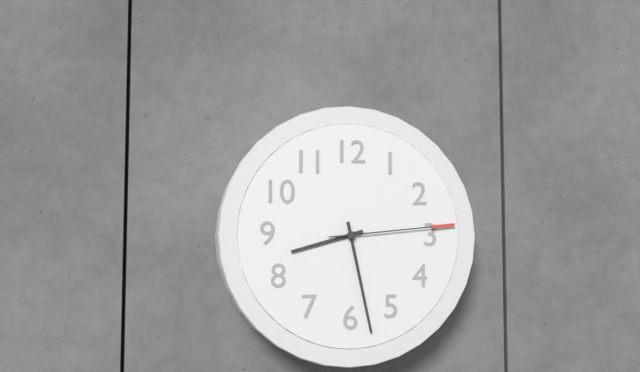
8 h 28 min 14 s
